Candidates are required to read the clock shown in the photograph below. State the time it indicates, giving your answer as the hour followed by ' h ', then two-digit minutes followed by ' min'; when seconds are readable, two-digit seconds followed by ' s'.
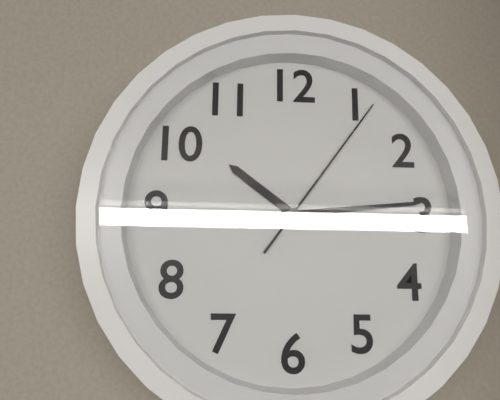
10 h 14 min 06 s
